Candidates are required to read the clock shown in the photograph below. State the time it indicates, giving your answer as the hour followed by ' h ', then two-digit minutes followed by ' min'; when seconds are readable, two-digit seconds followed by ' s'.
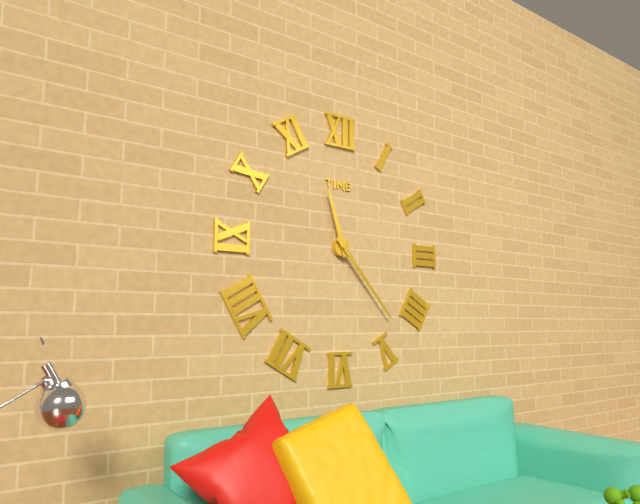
11 h 23 min
